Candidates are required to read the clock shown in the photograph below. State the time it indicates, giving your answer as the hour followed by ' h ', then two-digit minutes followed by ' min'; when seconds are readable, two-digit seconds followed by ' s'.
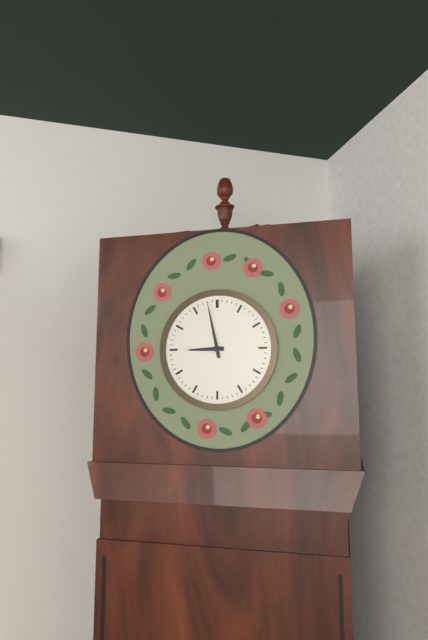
8 h 58 min
